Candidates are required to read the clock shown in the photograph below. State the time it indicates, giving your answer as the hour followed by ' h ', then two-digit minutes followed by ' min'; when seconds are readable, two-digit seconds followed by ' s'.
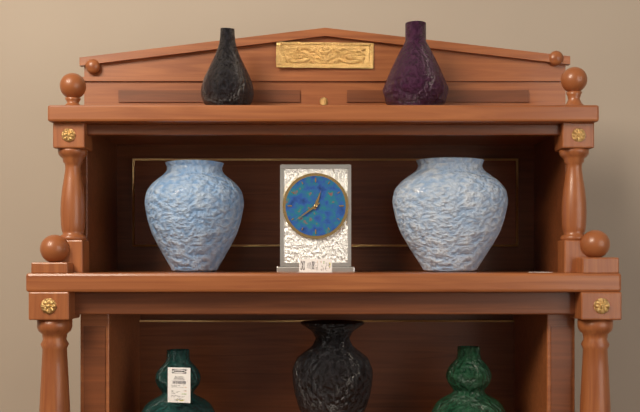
12 h 39 min
